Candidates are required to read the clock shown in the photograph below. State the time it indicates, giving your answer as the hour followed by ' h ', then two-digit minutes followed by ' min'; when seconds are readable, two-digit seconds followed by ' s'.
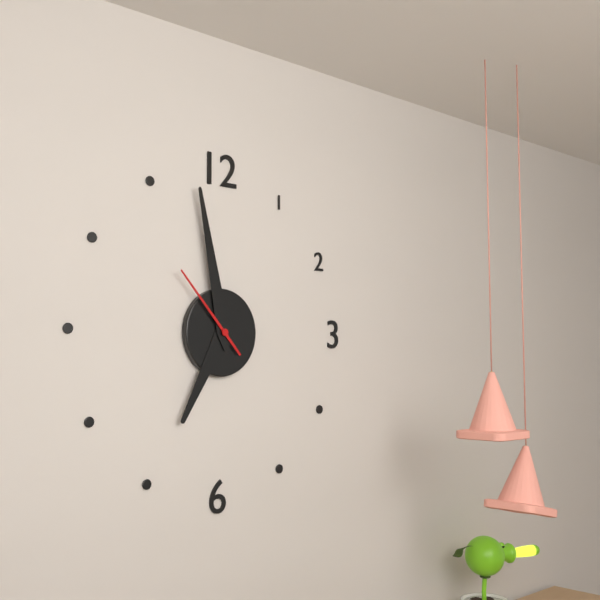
6 h 58 min 53 s
